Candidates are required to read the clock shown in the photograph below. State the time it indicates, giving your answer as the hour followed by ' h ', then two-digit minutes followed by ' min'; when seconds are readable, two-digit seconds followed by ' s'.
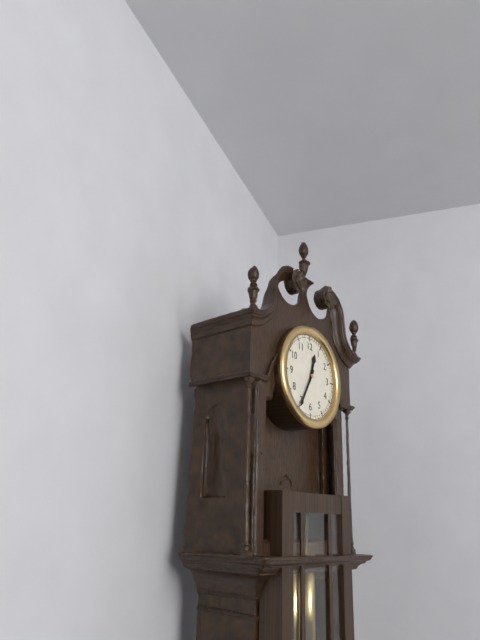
12 h 35 min
